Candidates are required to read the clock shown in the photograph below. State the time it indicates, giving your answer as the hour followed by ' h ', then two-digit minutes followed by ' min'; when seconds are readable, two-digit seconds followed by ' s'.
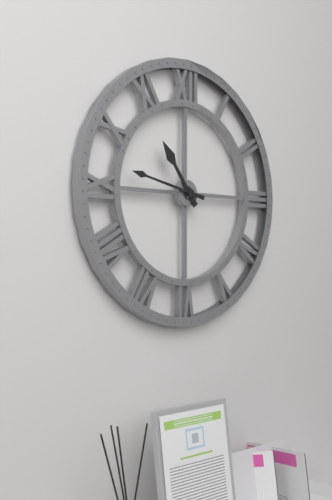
10 h 47 min
